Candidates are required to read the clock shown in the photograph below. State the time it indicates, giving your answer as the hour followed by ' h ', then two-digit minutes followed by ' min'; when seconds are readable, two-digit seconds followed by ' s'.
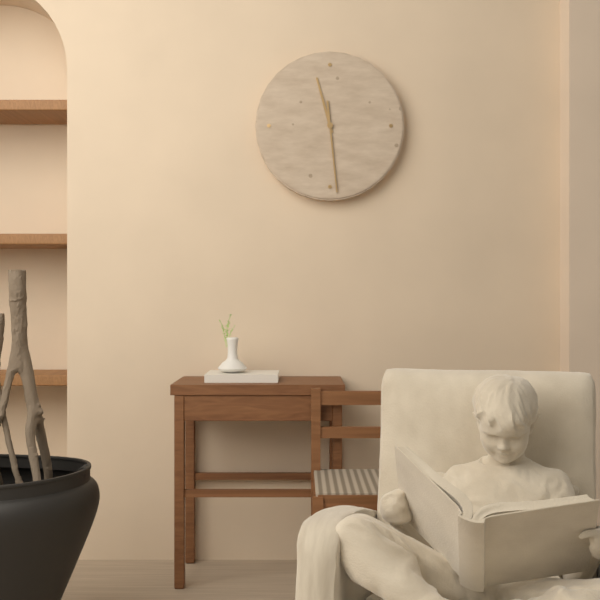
11 h 29 min
